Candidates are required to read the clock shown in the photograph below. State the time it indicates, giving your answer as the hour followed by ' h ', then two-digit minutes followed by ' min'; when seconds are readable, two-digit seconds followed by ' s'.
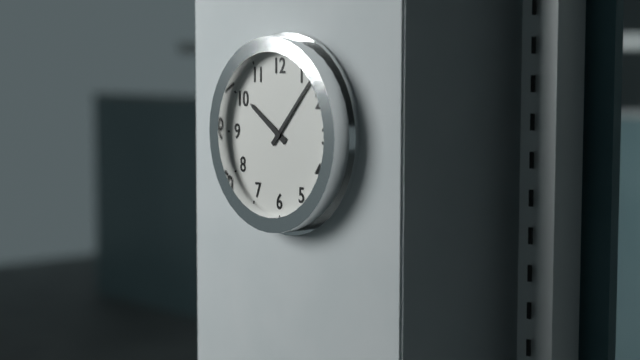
10 h 07 min
